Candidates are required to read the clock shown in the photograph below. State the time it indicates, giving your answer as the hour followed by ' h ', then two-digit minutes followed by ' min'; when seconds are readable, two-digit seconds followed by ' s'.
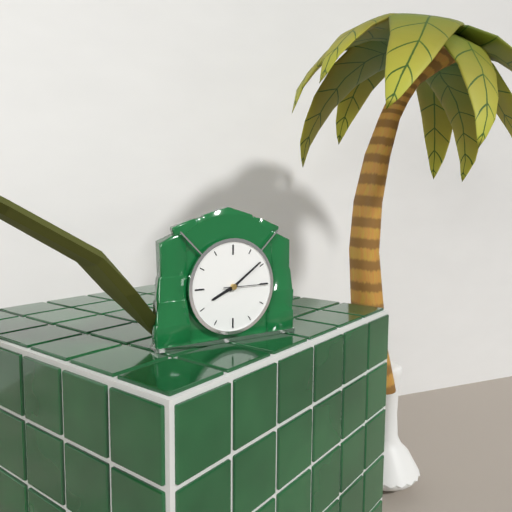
8 h 09 min
